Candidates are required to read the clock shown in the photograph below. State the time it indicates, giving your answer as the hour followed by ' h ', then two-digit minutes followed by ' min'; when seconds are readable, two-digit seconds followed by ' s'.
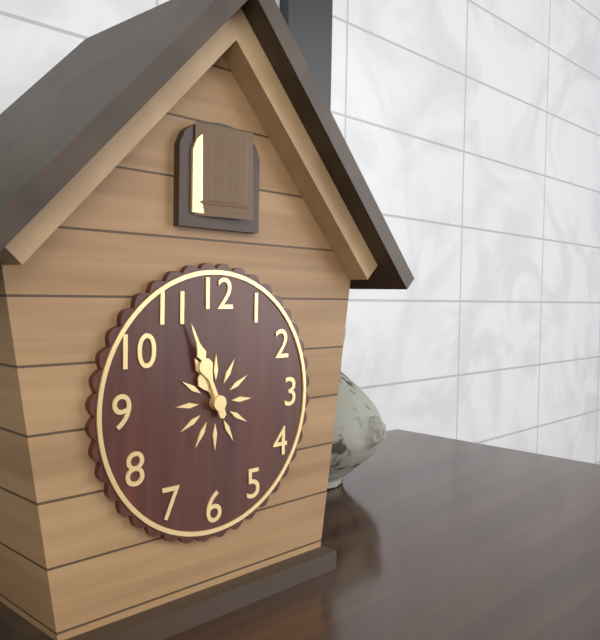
10 h 56 min
